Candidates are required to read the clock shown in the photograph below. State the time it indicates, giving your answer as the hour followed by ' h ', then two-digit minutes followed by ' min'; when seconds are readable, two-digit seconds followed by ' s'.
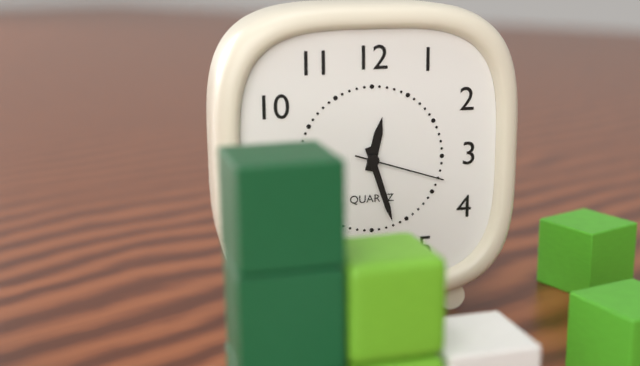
12 h 27 min 18 s
